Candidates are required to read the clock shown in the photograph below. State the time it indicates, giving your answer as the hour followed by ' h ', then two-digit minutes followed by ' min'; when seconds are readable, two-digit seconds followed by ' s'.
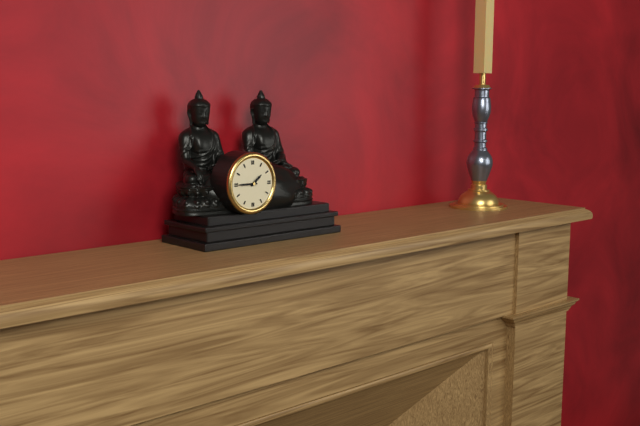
1 h 45 min
